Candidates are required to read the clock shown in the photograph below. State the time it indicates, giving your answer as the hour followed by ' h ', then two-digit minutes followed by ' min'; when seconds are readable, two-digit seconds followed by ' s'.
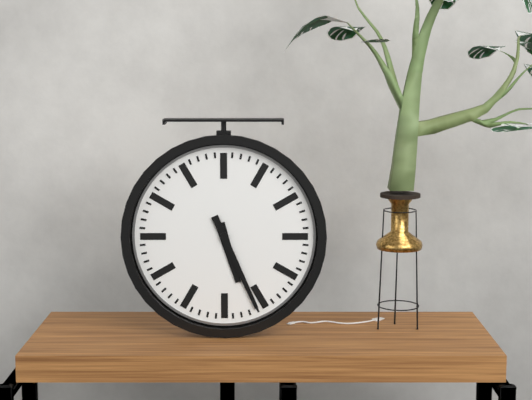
5 h 26 min
